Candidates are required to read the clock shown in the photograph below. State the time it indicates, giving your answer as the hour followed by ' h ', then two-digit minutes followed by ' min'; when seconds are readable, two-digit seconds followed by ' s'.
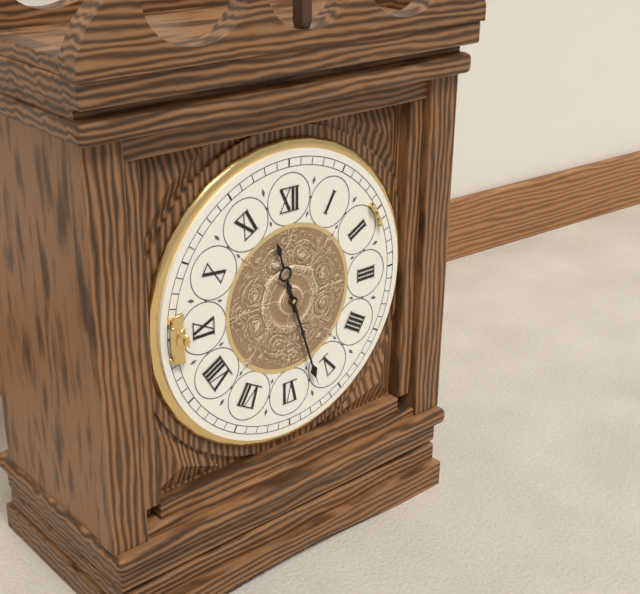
11 h 27 min
